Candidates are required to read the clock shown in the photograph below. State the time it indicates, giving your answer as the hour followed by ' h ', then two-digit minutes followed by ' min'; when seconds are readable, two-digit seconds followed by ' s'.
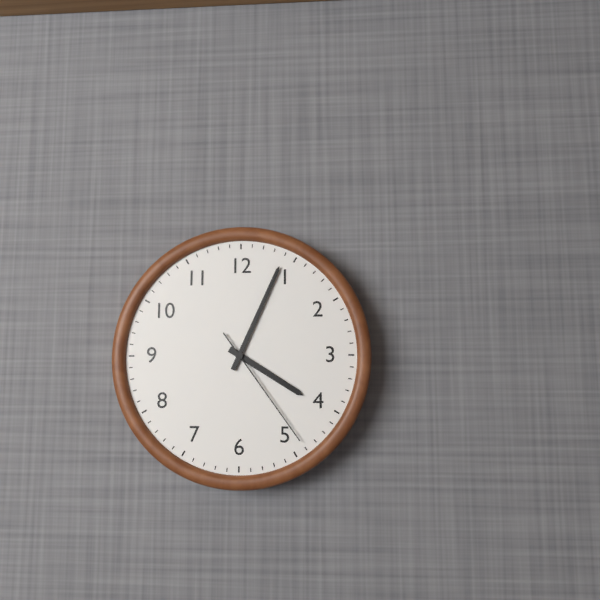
4 h 04 min 24 s
